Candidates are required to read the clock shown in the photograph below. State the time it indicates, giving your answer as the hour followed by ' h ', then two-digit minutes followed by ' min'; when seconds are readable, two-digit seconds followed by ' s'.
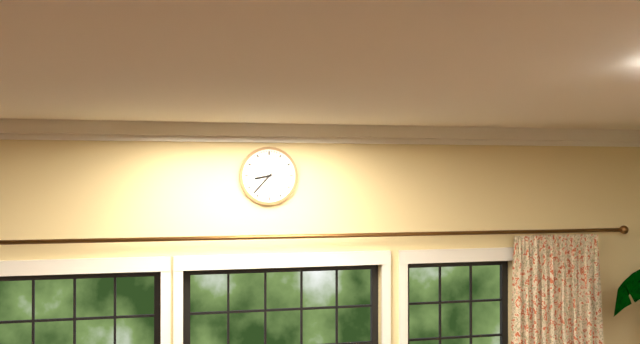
8 h 37 min
